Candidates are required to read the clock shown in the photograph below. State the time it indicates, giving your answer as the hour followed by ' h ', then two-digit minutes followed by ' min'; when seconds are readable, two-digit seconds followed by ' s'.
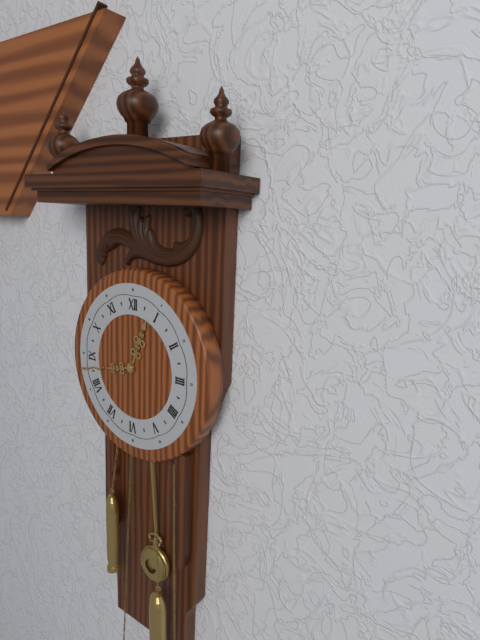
12 h 43 min
